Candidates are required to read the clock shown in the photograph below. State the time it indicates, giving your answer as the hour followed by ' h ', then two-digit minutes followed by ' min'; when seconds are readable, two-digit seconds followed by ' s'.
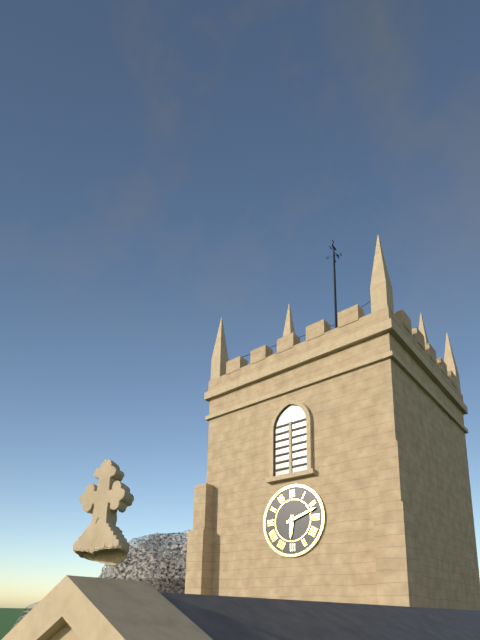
6 h 12 min
